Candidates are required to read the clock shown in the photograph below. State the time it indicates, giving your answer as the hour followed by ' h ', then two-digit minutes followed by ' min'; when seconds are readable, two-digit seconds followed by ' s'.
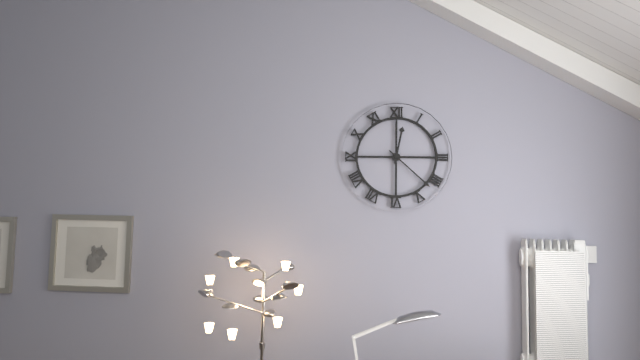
12 h 22 min
